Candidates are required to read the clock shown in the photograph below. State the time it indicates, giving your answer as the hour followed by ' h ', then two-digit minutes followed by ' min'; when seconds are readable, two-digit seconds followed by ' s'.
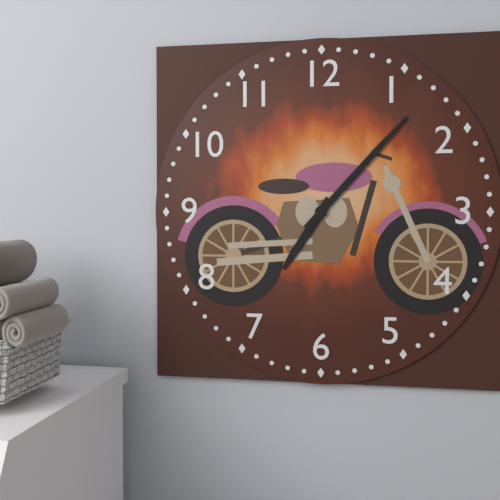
7 h 07 min
